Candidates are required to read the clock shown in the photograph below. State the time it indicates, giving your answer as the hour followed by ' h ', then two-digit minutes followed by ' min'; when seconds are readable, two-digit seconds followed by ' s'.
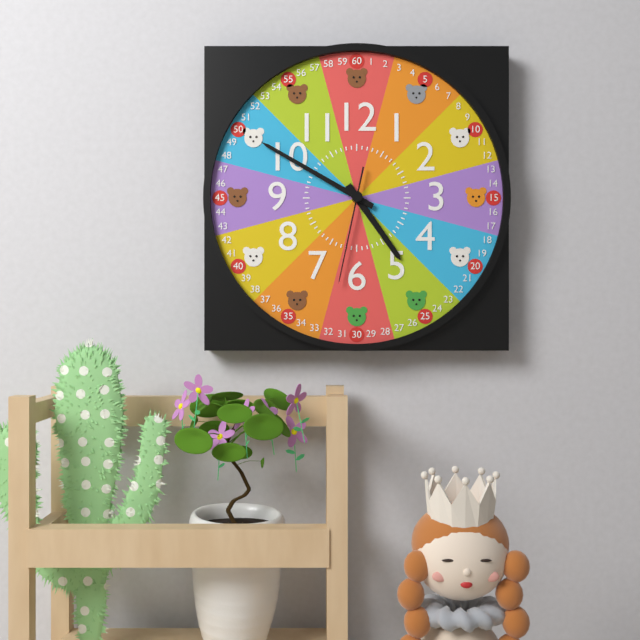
4 h 50 min 32 s
